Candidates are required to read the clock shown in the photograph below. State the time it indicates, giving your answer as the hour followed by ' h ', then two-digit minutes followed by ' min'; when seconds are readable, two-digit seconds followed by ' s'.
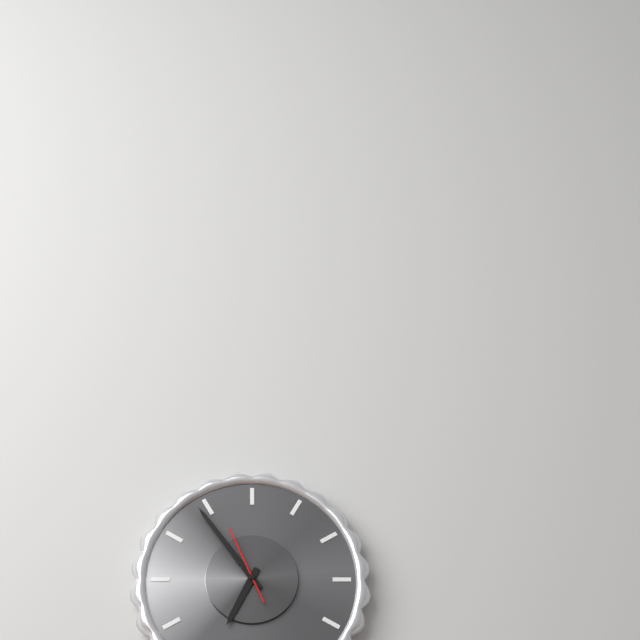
6 h 54 min 56 s
